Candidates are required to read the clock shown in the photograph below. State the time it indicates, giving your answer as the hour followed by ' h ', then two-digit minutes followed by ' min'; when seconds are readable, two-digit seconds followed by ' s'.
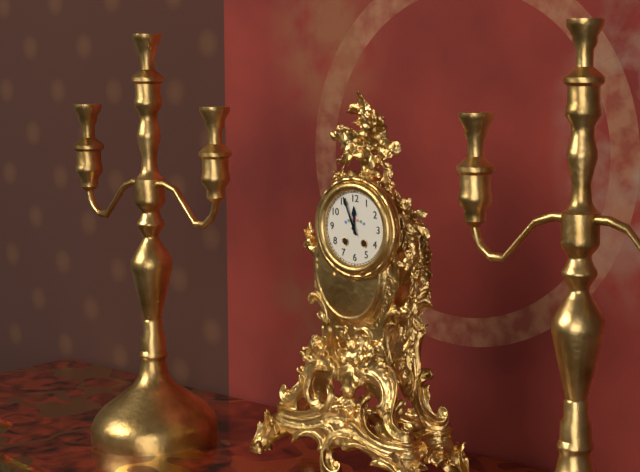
11 h 56 min
